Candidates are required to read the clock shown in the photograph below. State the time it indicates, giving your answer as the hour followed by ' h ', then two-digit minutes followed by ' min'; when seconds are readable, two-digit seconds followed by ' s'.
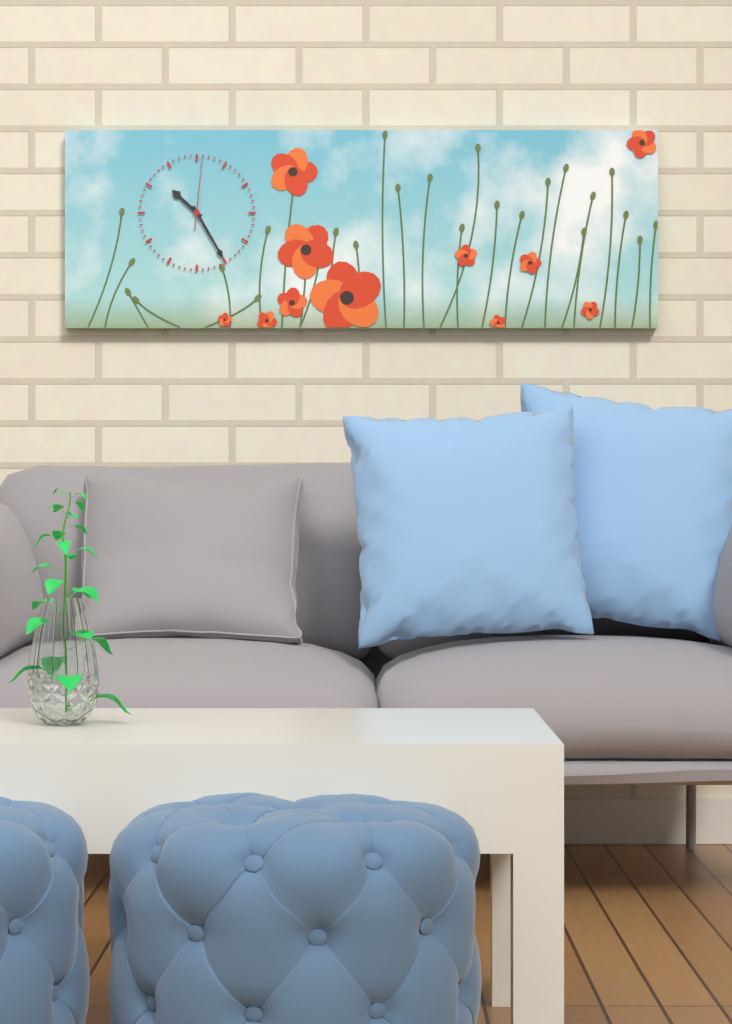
10 h 25 min 01 s
